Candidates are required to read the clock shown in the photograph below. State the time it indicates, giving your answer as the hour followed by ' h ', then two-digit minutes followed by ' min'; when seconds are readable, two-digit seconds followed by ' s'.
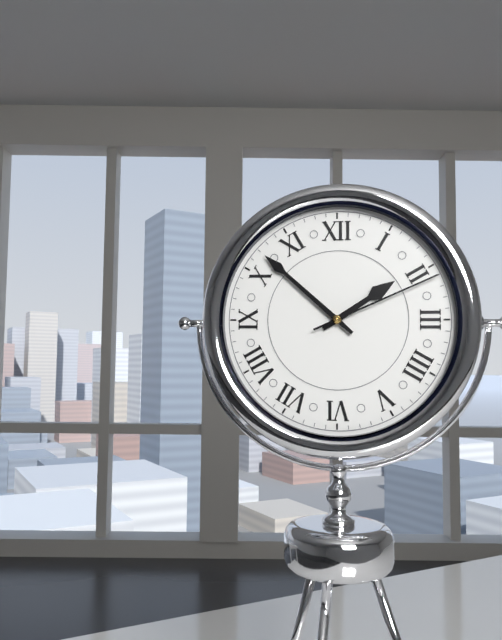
1 h 52 min 11 s
